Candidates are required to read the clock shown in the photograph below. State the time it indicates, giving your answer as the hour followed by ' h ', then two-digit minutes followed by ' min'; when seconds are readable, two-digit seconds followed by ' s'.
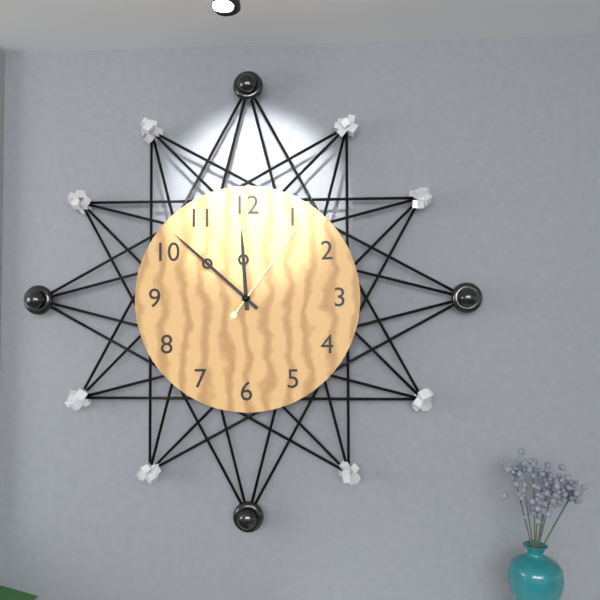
11 h 52 min 06 s
